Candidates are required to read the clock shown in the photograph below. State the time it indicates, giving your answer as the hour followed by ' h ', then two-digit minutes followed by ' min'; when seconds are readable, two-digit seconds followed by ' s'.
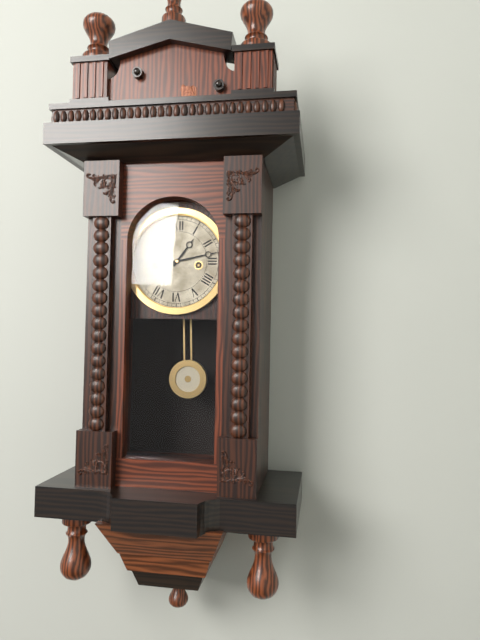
1 h 13 min
